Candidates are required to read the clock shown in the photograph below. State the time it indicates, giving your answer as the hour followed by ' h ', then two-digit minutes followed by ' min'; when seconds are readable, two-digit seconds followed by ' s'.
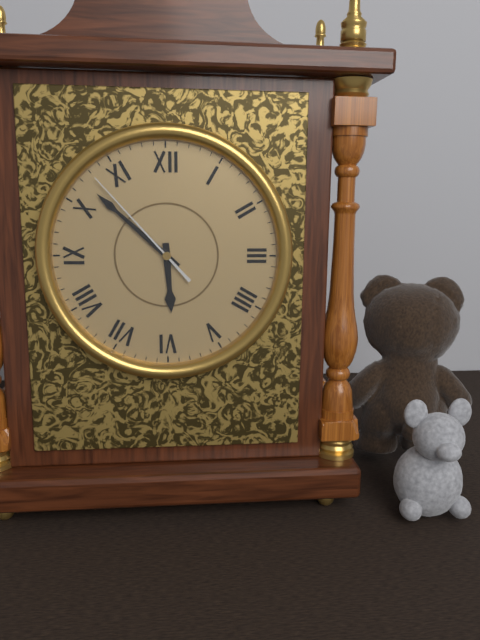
5 h 52 min 53 s
